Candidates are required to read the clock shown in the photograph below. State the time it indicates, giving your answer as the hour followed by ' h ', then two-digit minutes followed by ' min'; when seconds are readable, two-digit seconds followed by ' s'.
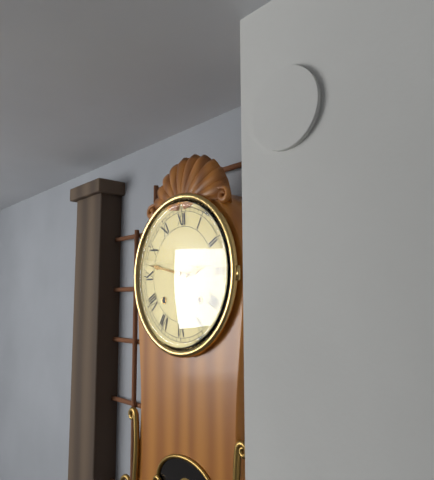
2 h 47 min
